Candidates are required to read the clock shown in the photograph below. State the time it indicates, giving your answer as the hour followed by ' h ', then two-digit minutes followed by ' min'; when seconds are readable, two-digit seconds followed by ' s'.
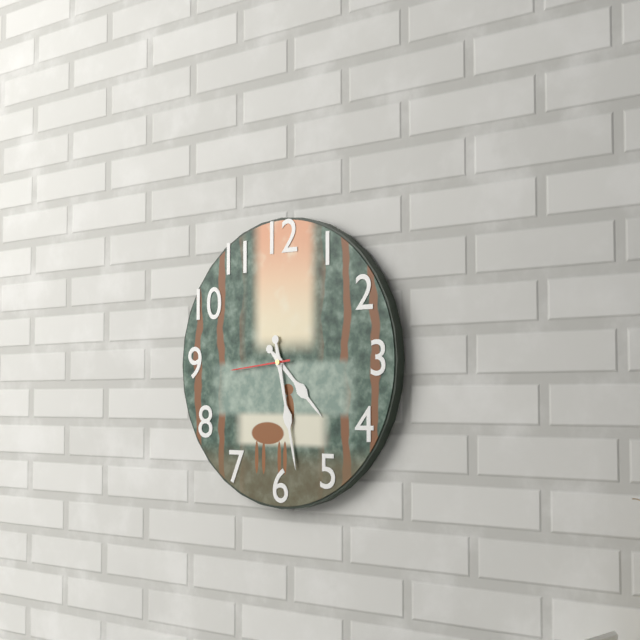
4 h 28 min 44 s
